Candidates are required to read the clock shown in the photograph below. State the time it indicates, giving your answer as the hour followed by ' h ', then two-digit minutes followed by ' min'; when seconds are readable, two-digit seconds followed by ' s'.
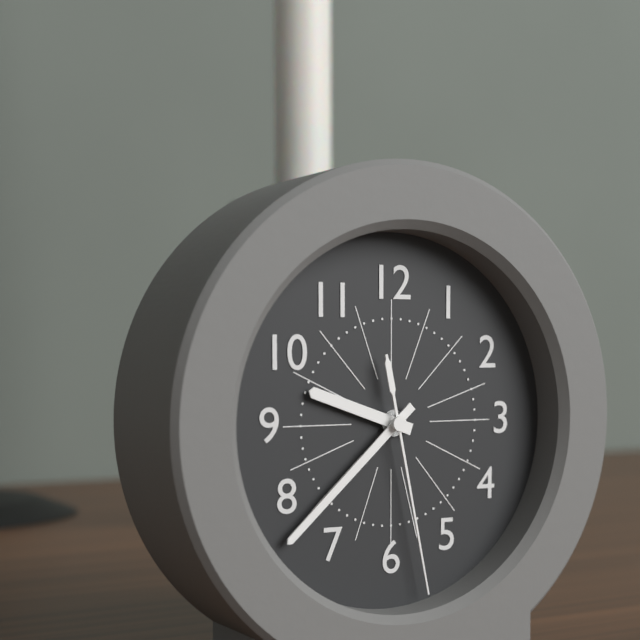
9 h 38 min 28 s
